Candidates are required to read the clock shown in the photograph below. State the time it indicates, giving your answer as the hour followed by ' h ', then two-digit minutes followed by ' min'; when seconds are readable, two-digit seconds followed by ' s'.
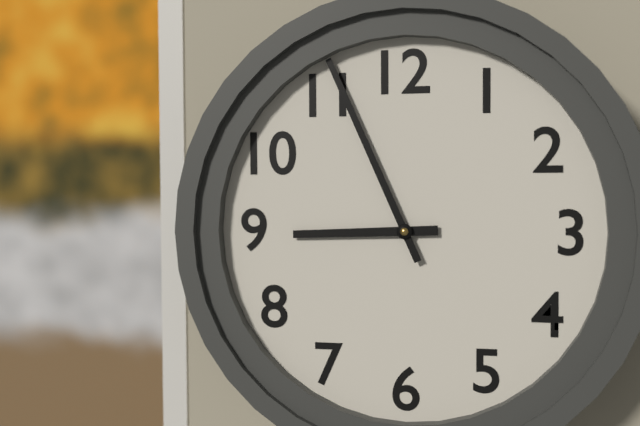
8 h 56 min
